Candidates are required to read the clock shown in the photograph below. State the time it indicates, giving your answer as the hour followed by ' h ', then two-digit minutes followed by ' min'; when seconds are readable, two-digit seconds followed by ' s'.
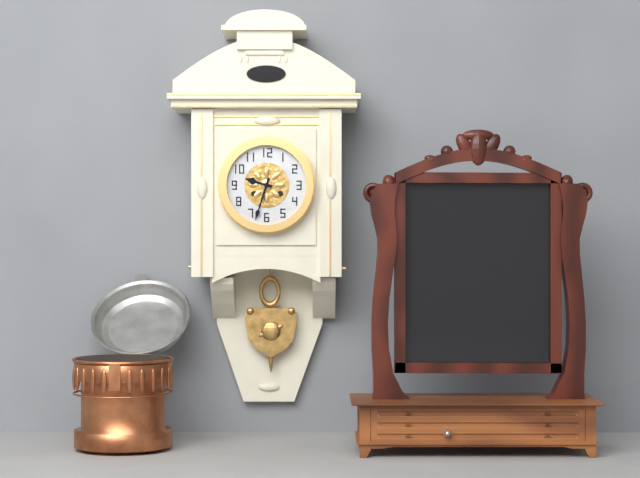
9 h 33 min
